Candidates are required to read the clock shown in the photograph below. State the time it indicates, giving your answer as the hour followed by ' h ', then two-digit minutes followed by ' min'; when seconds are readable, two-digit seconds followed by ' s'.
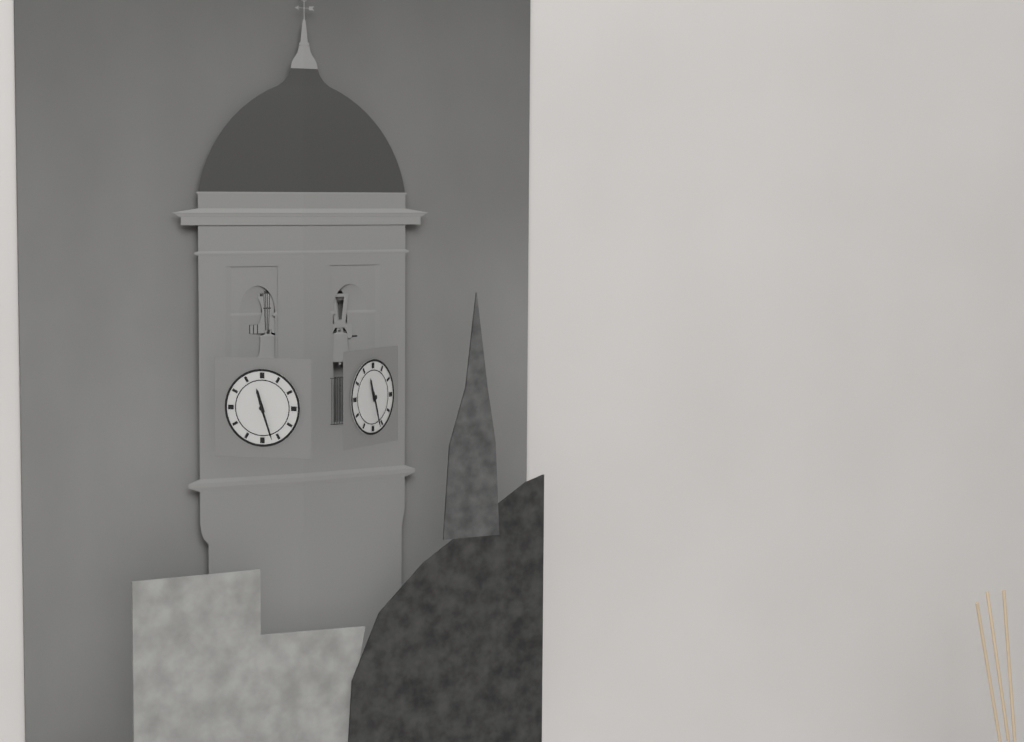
11 h 27 min
